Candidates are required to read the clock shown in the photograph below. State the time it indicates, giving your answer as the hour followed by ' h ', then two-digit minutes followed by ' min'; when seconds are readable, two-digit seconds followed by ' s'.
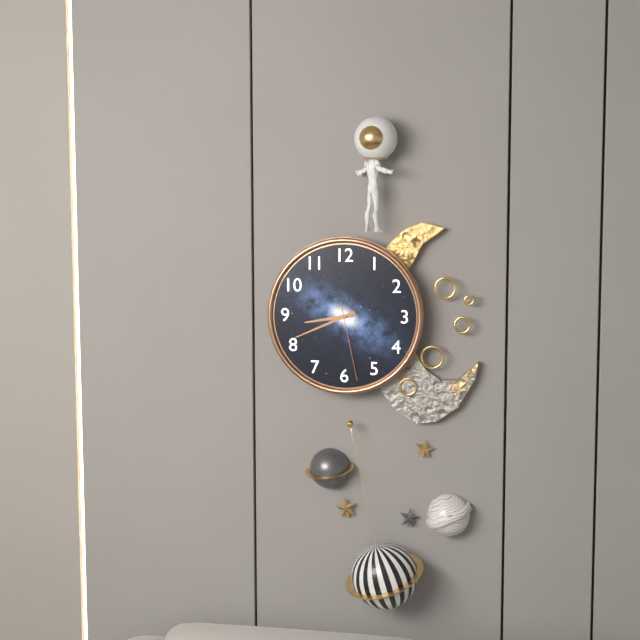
8 h 41 min 28 s
